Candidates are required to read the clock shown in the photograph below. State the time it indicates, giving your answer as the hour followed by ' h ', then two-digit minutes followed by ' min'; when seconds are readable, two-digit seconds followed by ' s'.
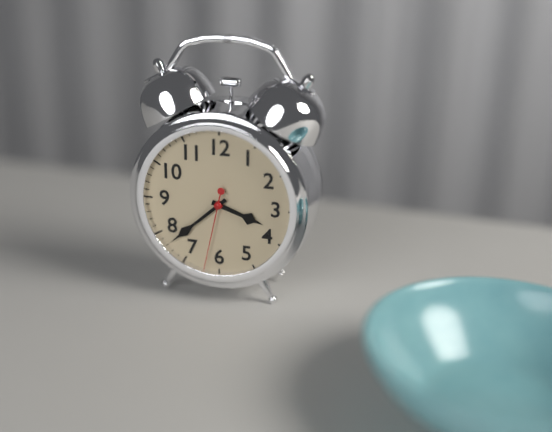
3 h 38 min 32 s
